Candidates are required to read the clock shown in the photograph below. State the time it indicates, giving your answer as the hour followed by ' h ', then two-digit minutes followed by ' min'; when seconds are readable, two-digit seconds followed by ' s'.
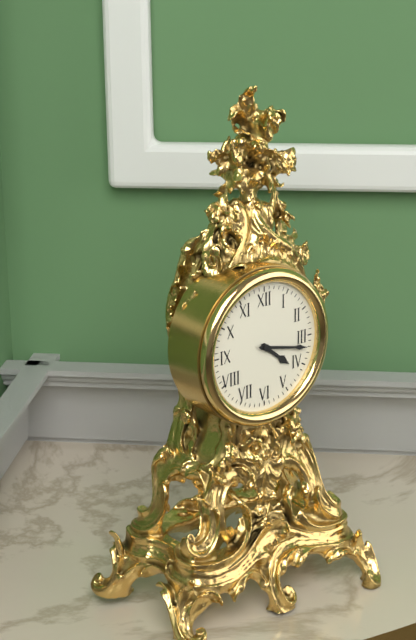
4 h 17 min
